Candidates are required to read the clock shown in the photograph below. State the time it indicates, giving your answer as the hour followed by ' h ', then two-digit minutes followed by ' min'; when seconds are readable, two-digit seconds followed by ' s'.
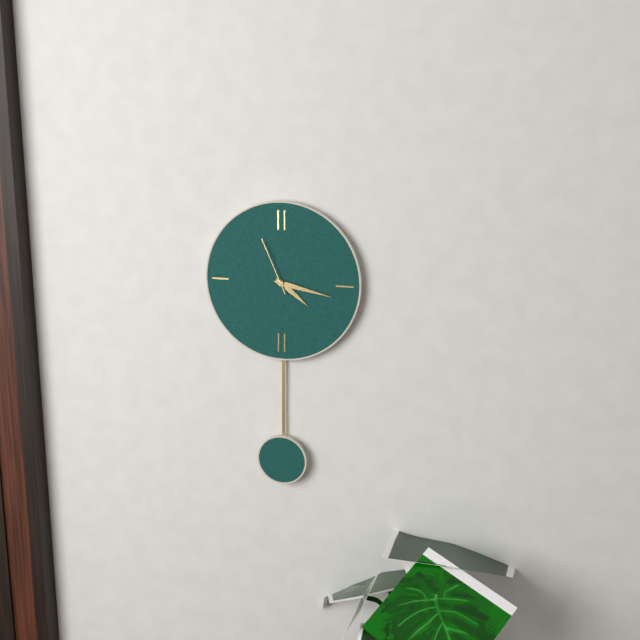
4 h 17 min 56 s
